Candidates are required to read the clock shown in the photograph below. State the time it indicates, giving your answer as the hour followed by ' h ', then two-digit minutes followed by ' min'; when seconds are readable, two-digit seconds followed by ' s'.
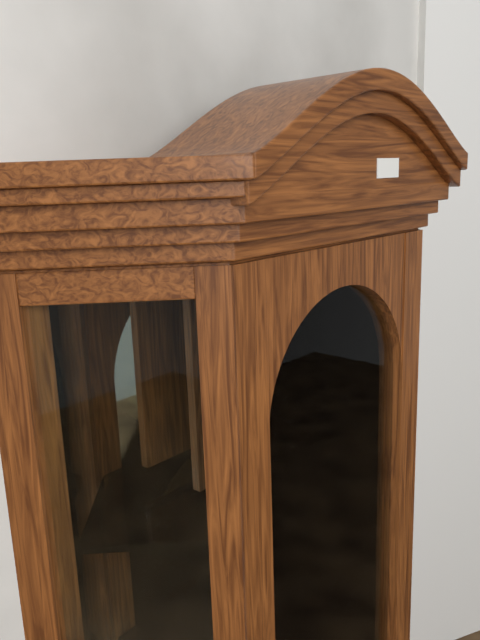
12 h 28 min
